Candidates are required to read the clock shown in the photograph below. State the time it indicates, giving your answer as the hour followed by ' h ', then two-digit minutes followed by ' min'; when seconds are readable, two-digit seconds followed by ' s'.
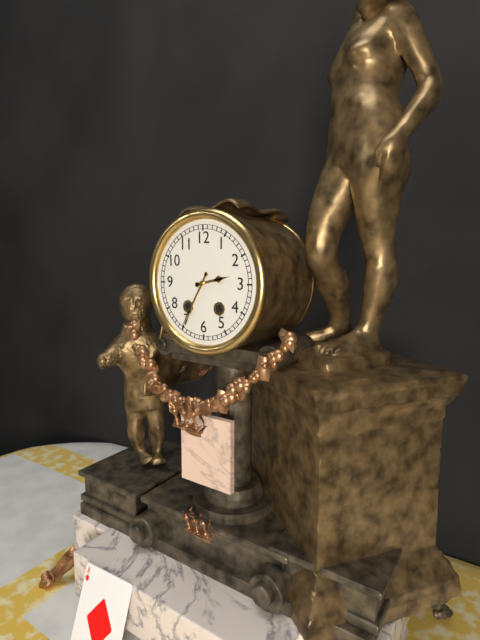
2 h 35 min
